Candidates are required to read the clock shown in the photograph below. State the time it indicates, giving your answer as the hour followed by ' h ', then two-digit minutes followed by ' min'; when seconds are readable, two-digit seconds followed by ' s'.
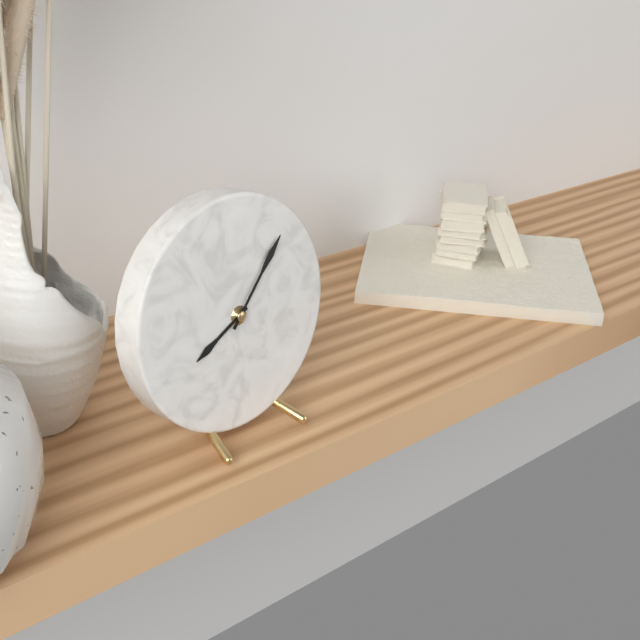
8 h 07 min
